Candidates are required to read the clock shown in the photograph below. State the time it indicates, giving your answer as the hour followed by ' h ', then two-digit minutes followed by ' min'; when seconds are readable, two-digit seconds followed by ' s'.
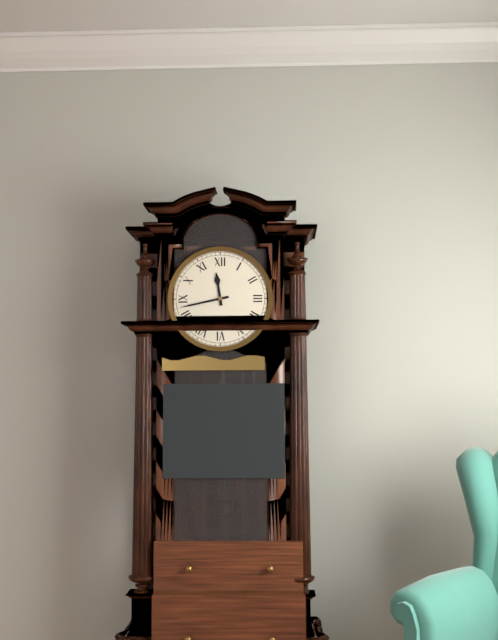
11 h 43 min
